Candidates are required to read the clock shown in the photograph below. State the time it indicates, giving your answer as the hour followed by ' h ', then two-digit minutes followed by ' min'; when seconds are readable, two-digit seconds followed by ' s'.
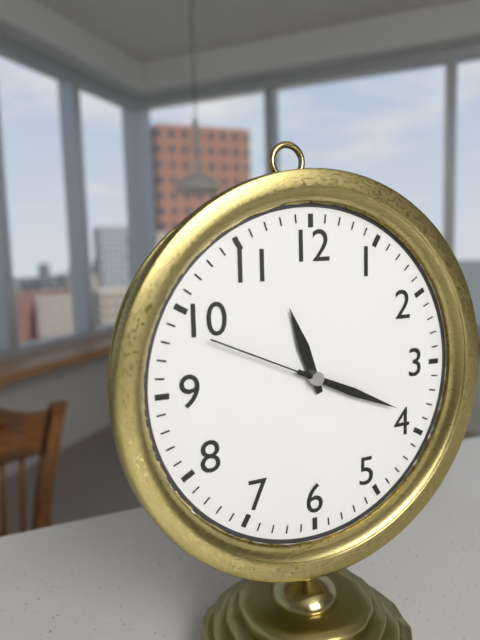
11 h 19 min 49 s
